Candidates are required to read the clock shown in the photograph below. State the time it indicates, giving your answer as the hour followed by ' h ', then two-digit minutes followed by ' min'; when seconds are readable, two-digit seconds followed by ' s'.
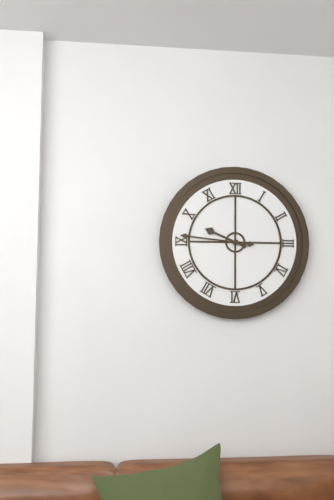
9 h 46 min
